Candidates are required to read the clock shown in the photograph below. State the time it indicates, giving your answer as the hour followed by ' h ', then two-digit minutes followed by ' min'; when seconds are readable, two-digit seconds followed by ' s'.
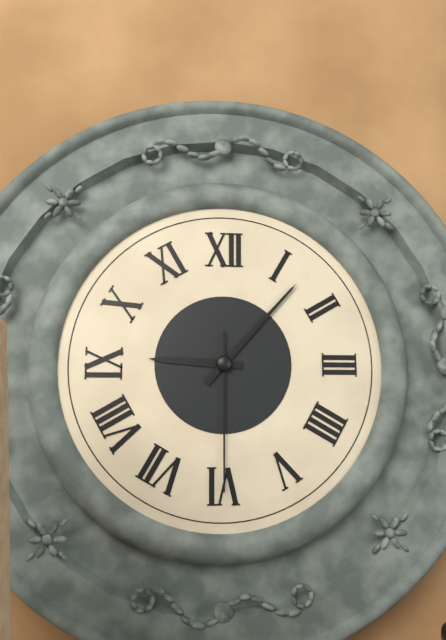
9 h 07 min 30 s
